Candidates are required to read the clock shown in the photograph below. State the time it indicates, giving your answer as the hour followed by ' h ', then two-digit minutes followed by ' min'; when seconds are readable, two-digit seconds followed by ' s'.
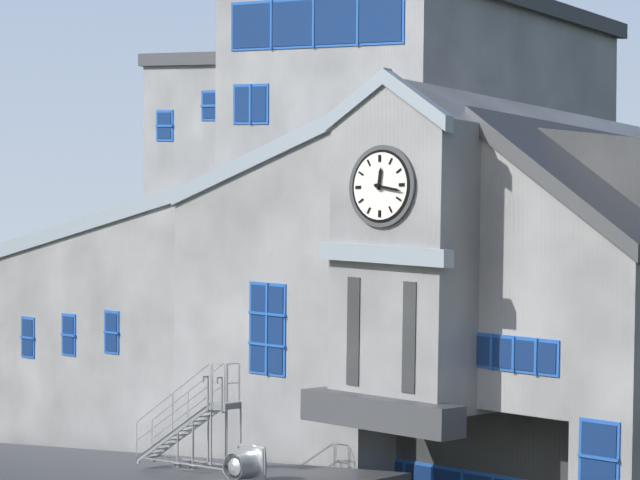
12 h 17 min
